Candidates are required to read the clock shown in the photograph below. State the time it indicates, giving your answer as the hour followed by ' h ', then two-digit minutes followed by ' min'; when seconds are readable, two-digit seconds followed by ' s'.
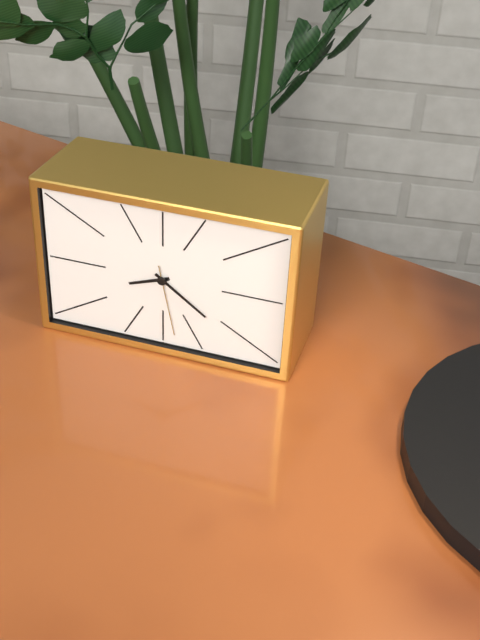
8 h 21 min 28 s
